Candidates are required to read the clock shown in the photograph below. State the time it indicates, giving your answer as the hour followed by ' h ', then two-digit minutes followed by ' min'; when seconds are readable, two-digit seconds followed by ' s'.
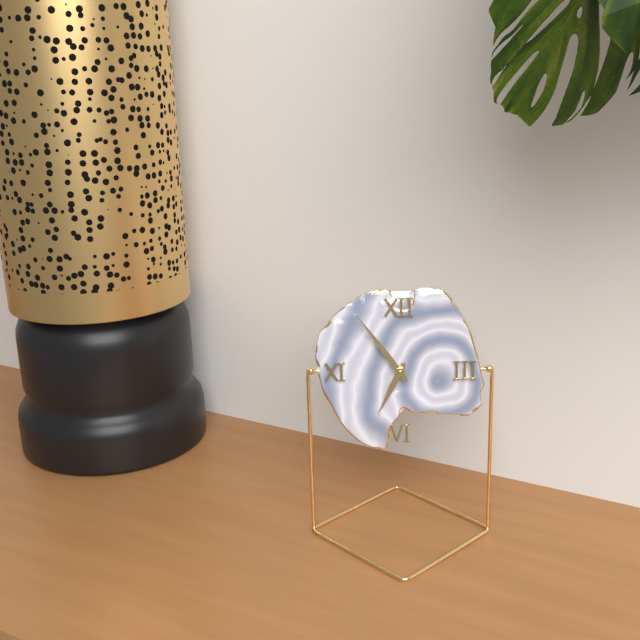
6 h 54 min
